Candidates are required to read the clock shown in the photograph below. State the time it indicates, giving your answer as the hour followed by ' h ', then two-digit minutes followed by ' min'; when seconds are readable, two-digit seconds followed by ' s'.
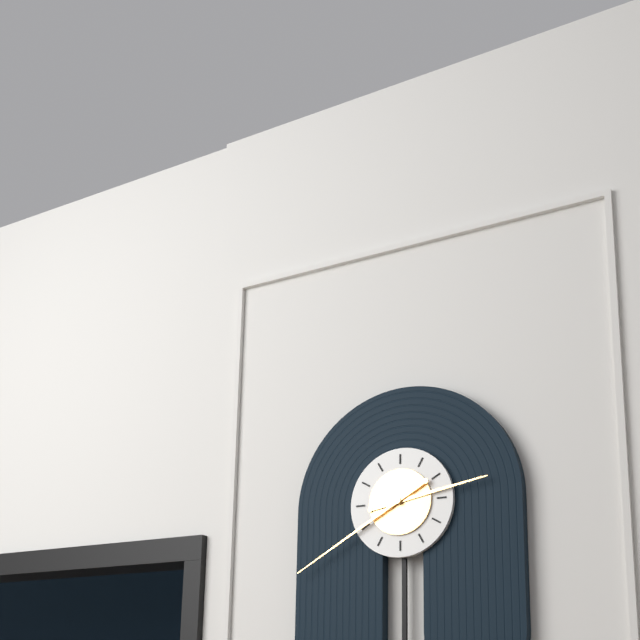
2 h 40 min
